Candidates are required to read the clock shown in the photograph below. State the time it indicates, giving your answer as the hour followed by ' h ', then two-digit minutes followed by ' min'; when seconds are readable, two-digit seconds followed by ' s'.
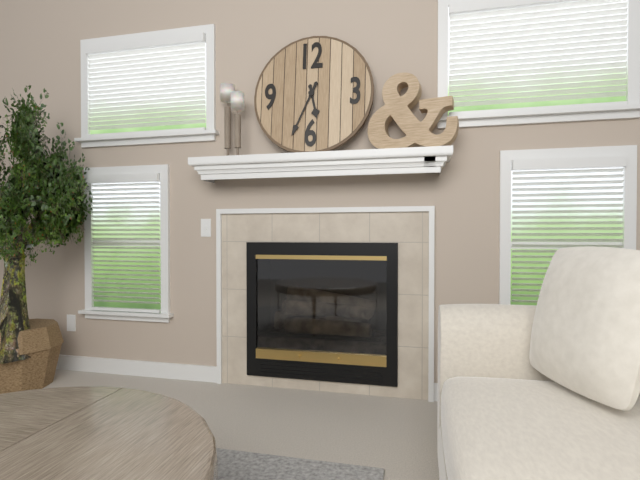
5 h 34 min
